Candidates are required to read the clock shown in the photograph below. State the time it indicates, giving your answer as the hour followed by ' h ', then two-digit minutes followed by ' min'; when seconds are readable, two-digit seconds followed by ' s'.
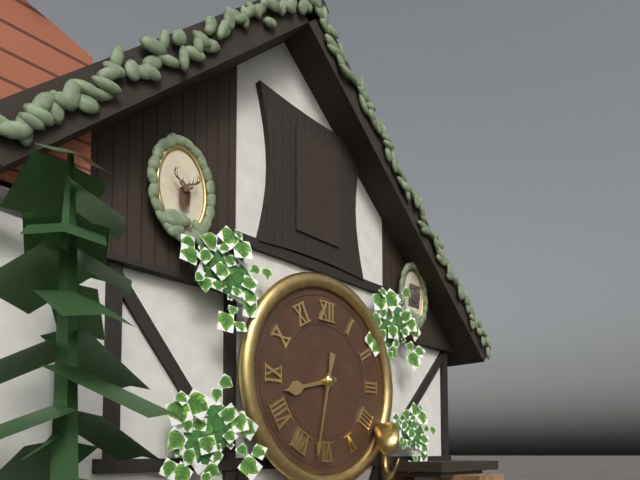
8 h 32 min
